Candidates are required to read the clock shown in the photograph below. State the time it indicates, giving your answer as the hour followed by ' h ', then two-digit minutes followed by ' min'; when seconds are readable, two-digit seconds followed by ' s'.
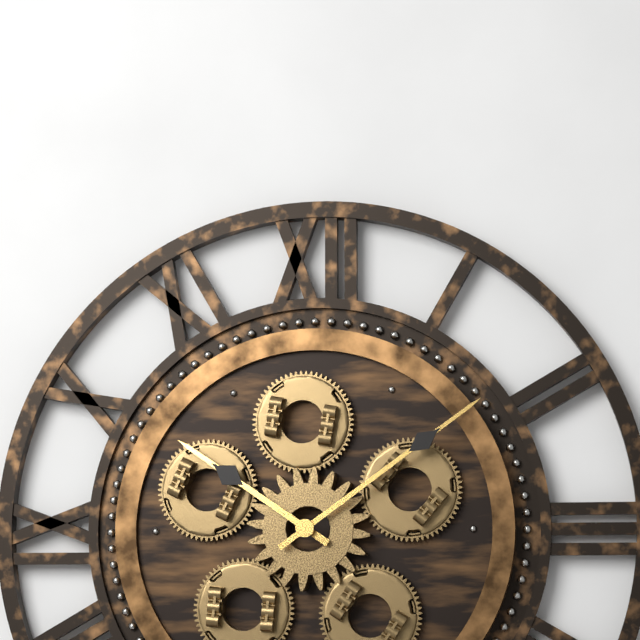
10 h 09 min
